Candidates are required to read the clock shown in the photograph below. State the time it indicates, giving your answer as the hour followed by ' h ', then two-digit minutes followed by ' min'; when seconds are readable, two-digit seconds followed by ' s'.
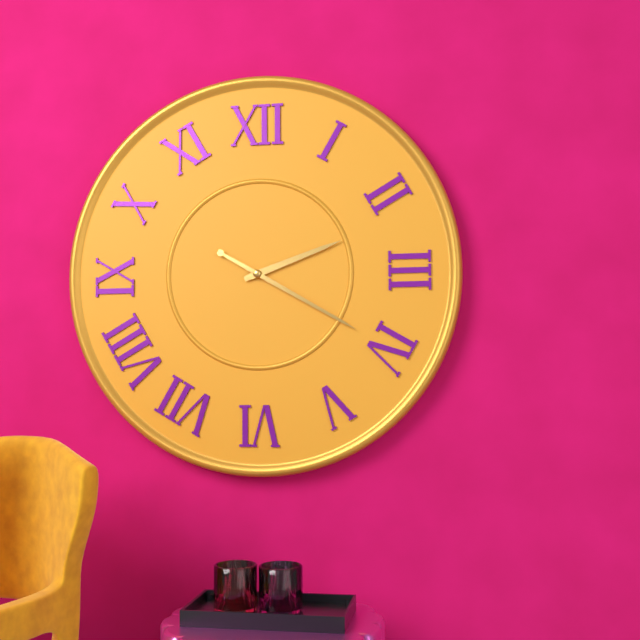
2 h 20 min
